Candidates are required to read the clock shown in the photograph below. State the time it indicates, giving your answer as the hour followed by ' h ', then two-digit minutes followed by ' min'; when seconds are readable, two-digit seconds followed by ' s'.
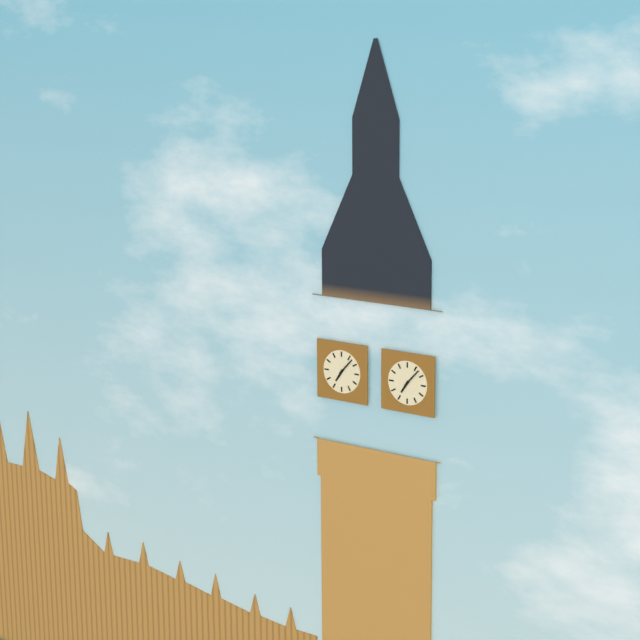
7 h 07 min
